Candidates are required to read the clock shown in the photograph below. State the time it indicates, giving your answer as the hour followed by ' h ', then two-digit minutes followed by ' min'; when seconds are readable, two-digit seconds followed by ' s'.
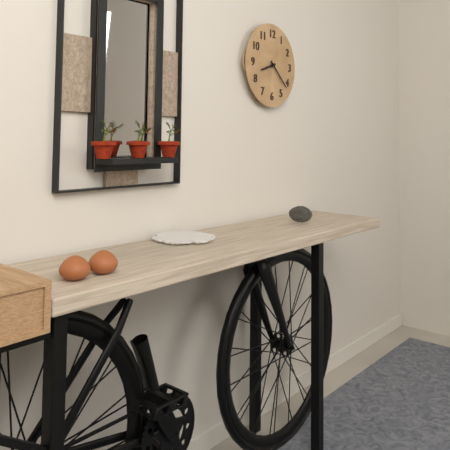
8 h 22 min
